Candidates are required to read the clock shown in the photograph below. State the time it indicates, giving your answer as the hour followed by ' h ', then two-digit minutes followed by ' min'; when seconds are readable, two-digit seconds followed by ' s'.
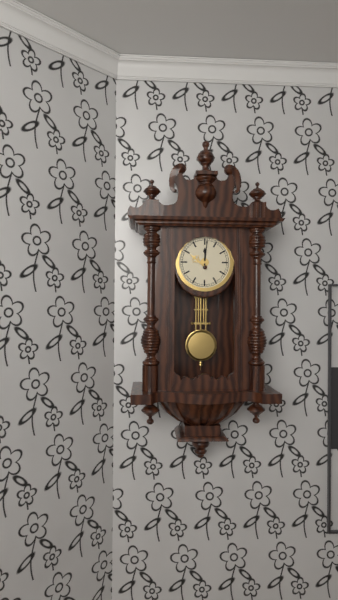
12 h 01 min
